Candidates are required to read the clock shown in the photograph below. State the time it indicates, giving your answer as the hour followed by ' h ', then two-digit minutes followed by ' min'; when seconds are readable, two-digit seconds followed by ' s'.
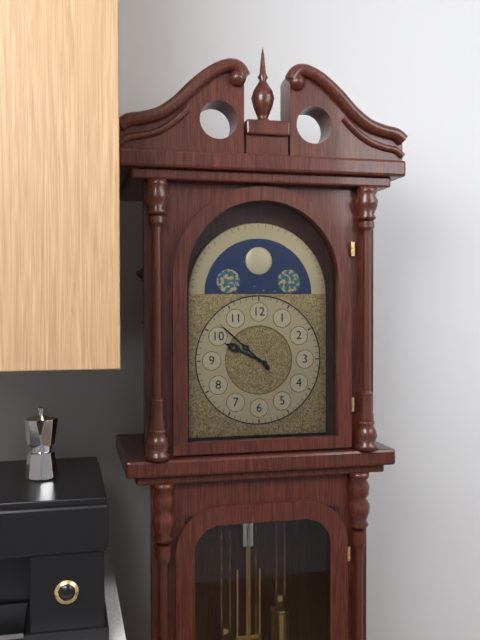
9 h 52 min
